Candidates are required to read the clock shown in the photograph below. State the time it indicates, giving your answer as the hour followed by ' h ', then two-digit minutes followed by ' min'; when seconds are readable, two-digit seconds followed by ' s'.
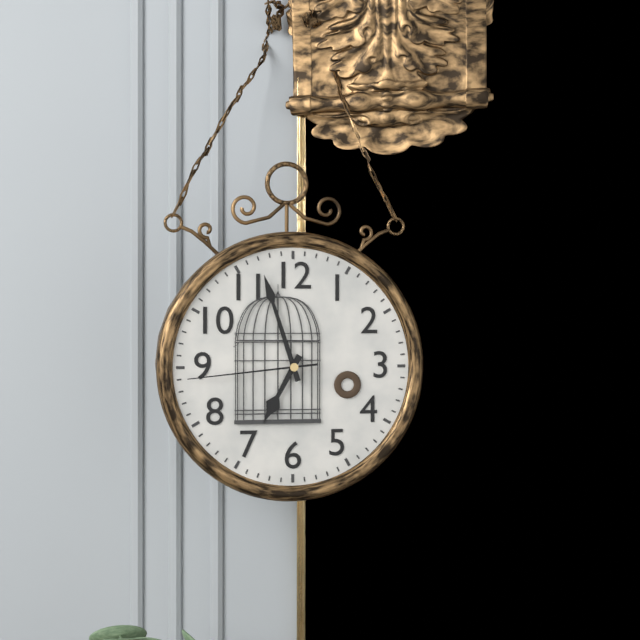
6 h 57 min 44 s
